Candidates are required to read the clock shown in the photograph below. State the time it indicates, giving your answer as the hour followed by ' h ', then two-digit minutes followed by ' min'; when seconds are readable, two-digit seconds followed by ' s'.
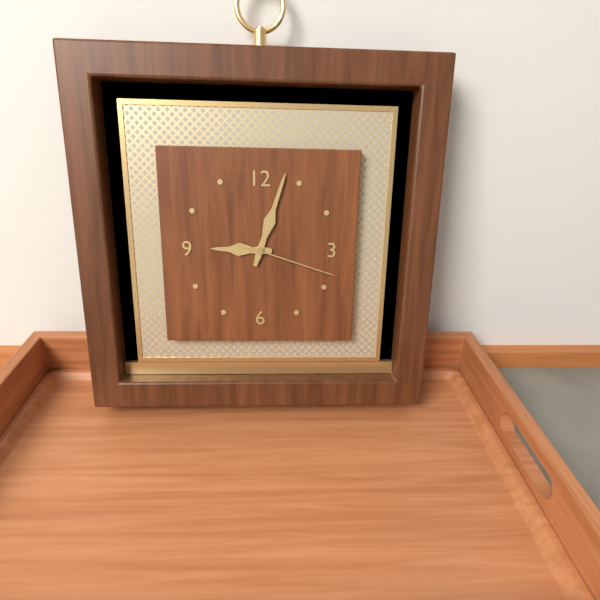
9 h 03 min 18 s
